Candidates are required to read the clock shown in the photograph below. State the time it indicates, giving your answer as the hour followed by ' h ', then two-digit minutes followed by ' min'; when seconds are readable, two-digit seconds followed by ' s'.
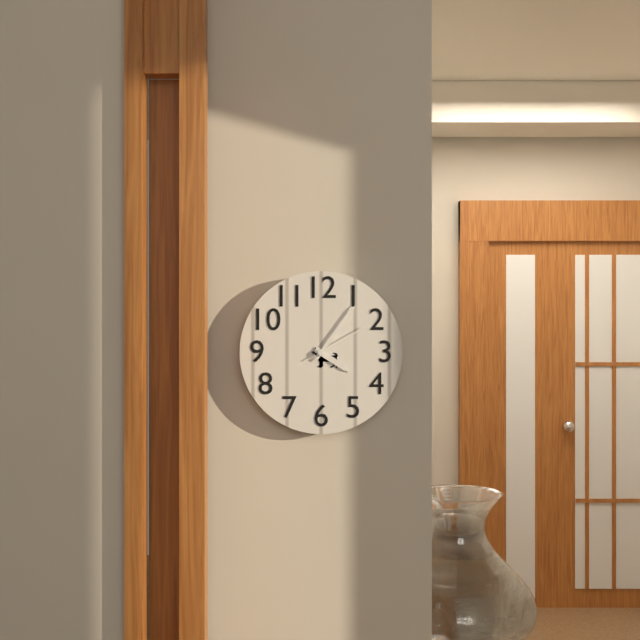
4 h 06 min 10 s
